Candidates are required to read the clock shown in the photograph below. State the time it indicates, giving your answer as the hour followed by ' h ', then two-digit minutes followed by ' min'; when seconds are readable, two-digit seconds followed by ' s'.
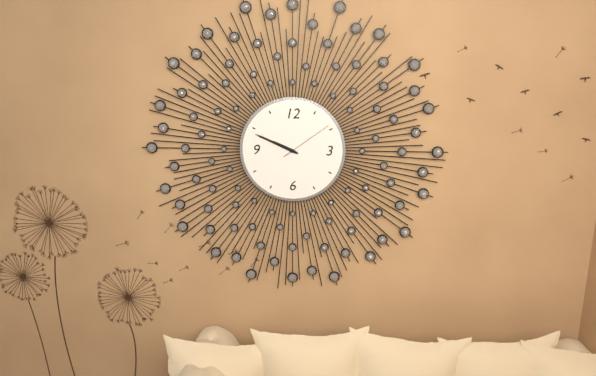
9 h 49 min 09 s
